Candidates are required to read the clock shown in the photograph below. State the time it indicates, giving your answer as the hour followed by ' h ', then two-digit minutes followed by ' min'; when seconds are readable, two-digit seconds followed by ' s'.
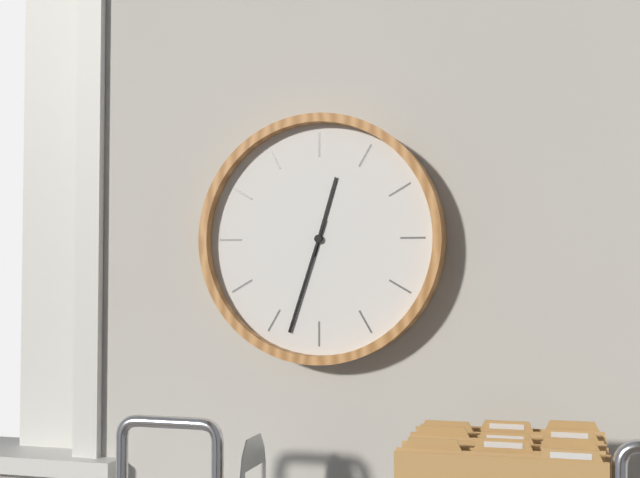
12 h 33 min
